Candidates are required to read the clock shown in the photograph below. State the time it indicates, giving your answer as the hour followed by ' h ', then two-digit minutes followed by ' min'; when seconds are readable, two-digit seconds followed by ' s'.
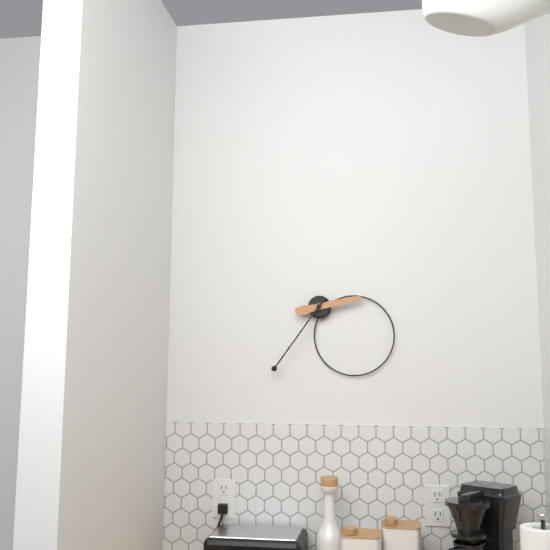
2 h 36 min
